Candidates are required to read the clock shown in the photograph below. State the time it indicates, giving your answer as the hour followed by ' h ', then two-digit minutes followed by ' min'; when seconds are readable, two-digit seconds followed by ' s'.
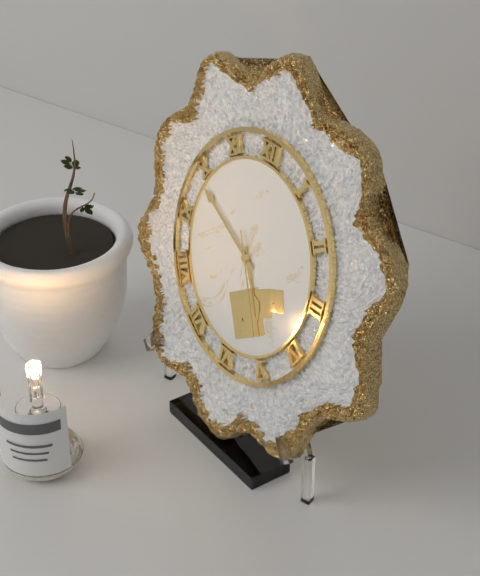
4 h 49 min 25 s
